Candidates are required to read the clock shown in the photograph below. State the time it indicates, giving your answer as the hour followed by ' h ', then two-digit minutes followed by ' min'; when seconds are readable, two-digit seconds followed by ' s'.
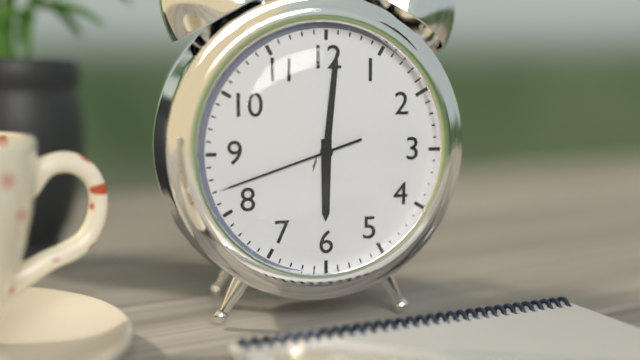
6 h 01 min 42 s
